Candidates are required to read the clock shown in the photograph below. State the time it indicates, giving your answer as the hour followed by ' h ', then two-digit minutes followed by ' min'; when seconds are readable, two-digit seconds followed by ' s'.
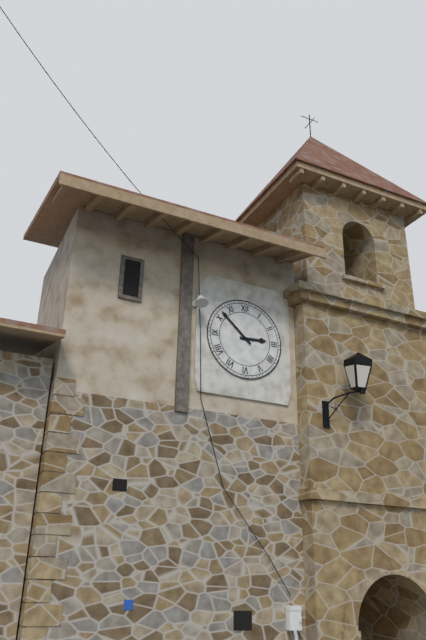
2 h 52 min
